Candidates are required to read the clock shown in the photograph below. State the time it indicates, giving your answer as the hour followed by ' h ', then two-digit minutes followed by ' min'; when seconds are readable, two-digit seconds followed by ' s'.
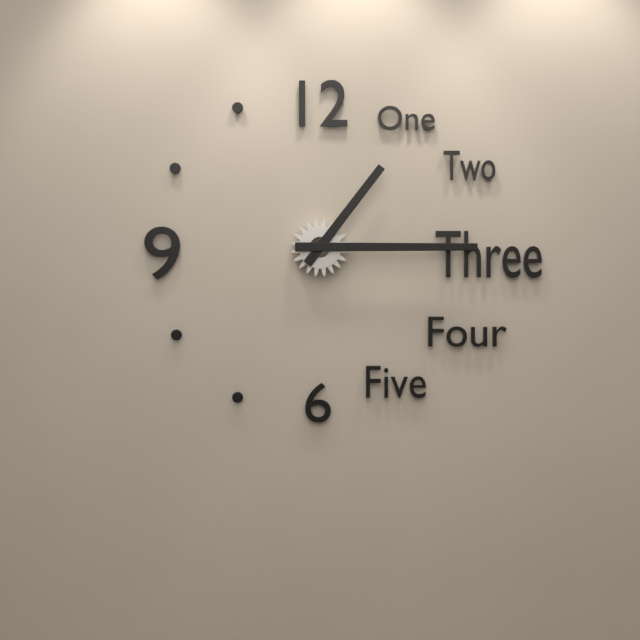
1 h 15 min
